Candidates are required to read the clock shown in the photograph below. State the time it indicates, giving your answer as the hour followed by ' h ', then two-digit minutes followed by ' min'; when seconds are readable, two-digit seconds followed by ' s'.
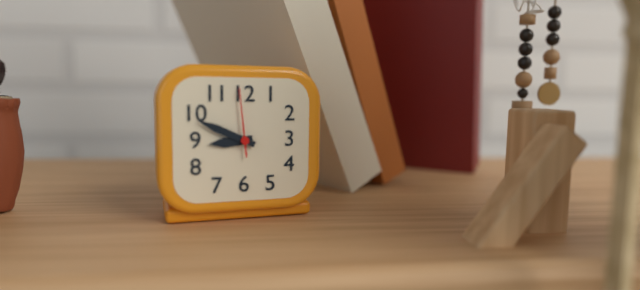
8 h 49 min 59 s
